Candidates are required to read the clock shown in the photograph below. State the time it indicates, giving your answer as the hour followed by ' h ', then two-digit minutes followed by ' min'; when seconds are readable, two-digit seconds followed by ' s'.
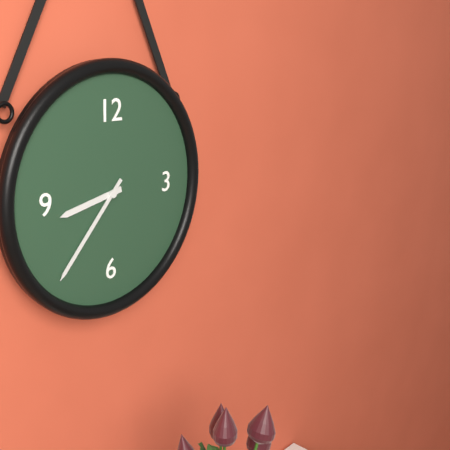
8 h 37 min
